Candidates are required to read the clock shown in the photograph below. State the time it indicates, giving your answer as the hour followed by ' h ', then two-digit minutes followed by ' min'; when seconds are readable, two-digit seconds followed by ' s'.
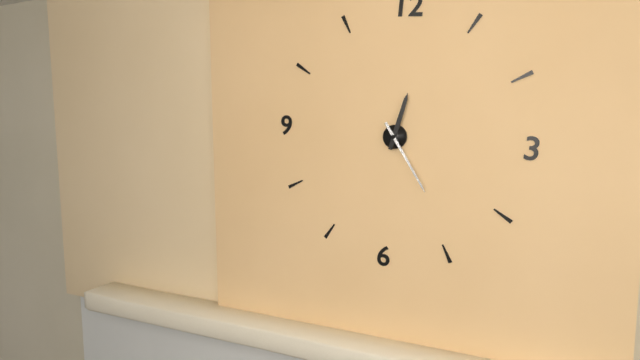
12 h 24 min
